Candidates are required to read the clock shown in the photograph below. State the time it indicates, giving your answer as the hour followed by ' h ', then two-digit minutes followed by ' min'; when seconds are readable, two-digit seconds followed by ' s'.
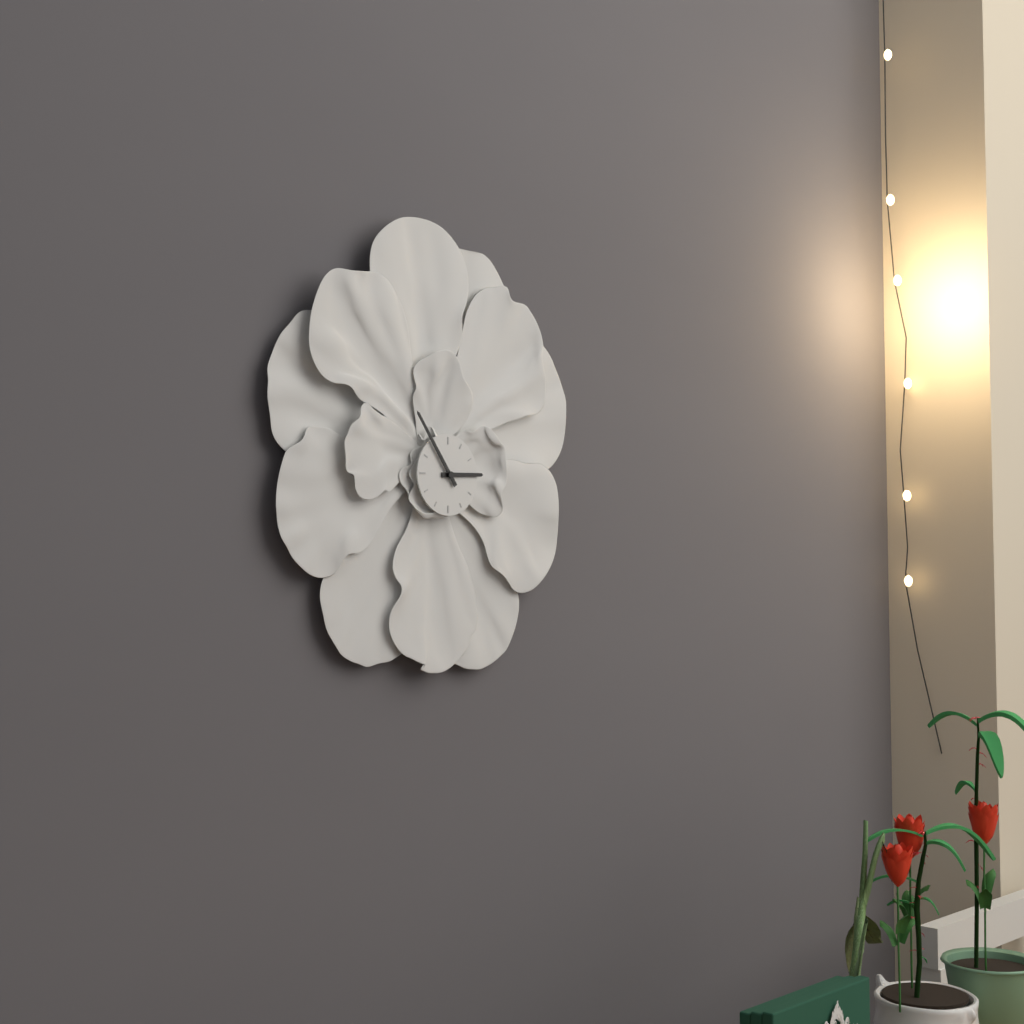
2 h 54 min
